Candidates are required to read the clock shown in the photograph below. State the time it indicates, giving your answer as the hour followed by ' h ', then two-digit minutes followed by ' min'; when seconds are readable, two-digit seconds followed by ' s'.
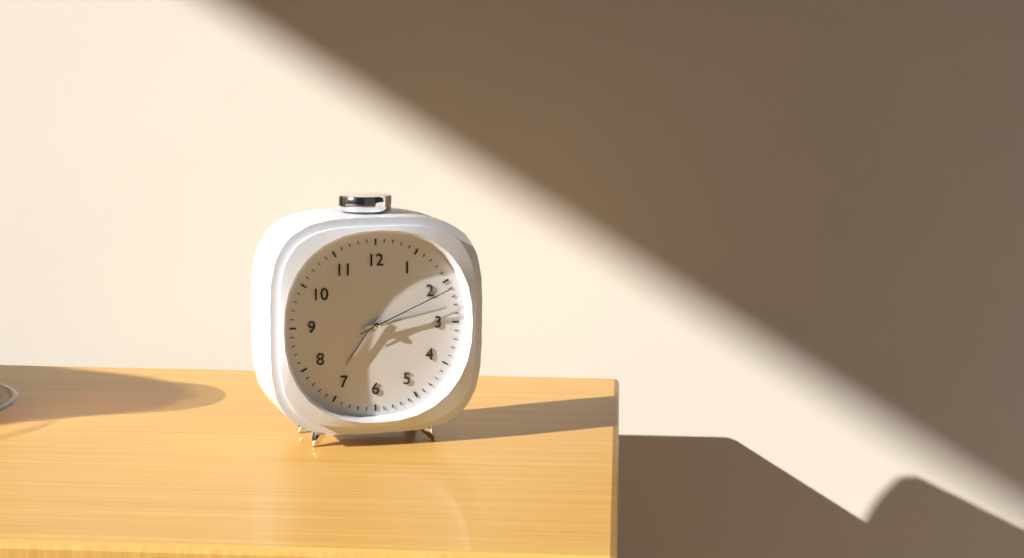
7 h 13 min 11 s
